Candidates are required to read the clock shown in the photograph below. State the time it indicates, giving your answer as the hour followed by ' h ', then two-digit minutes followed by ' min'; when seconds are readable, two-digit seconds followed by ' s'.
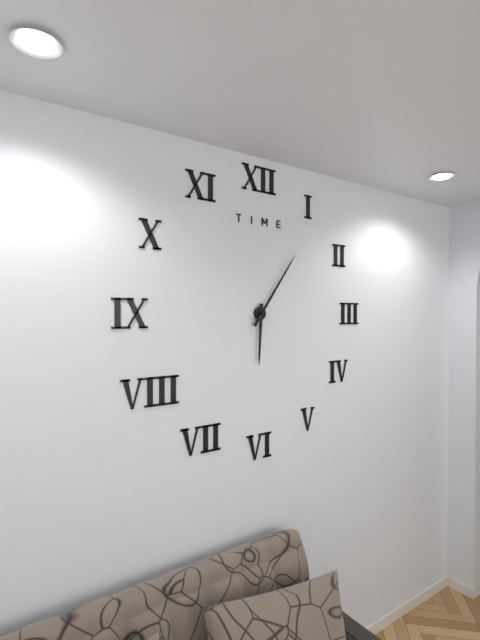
6 h 06 min
